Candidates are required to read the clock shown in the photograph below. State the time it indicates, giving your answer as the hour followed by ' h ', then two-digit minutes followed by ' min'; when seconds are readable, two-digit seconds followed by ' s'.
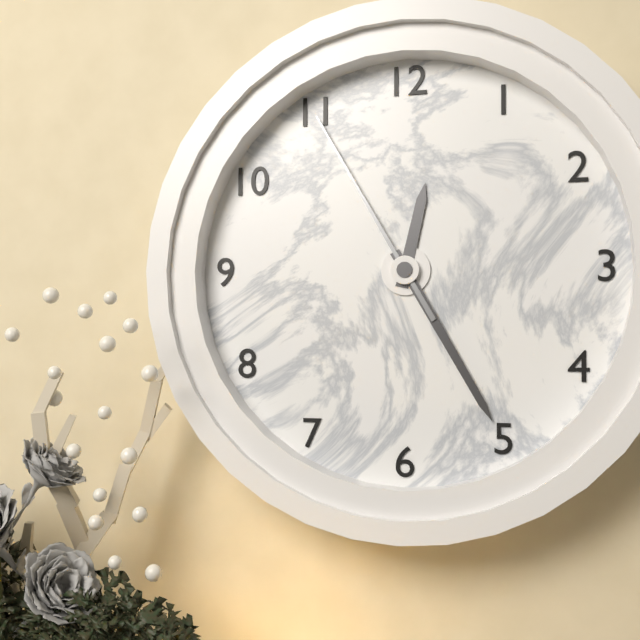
12 h 25 min 55 s
